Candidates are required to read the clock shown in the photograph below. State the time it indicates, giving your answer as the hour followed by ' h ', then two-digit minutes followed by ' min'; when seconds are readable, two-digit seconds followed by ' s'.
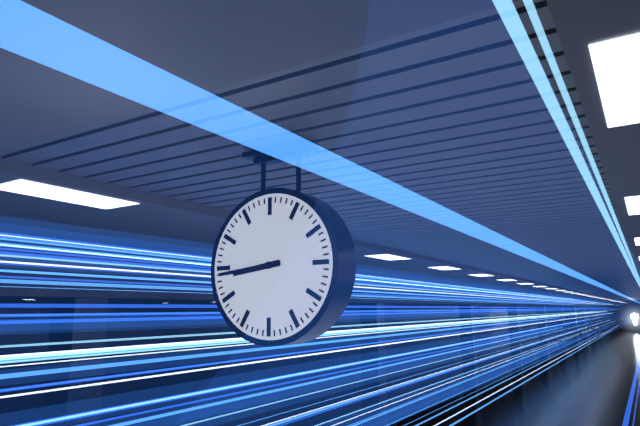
8 h 44 min
